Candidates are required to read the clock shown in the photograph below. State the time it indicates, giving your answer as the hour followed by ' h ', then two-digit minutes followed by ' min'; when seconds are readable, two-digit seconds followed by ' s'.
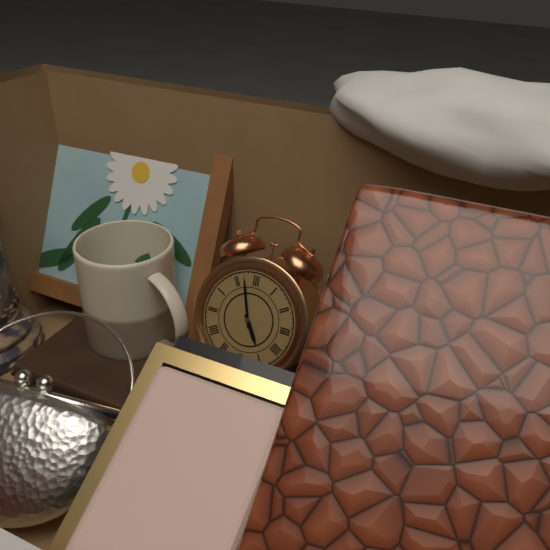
4 h 57 min
